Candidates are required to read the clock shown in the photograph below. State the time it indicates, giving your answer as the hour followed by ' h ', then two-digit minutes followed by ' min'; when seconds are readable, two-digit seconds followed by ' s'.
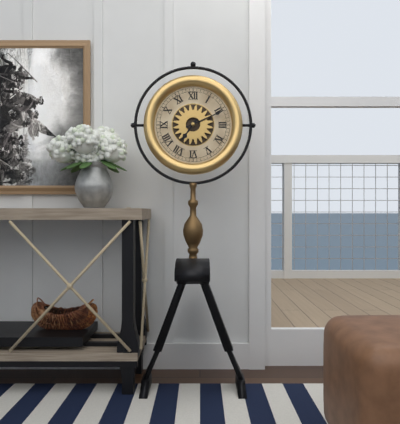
7 h 11 min
